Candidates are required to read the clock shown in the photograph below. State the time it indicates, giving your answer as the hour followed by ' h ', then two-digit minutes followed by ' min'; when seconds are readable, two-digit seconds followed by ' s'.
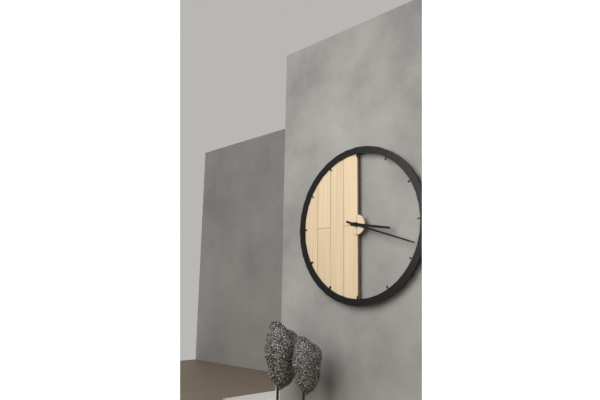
3 h 18 min
